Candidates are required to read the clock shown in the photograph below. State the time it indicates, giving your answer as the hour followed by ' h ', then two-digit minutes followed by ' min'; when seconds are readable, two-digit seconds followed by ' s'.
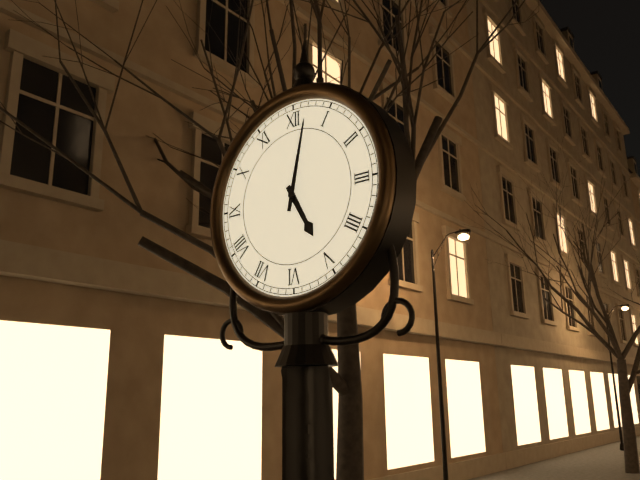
5 h 02 min
